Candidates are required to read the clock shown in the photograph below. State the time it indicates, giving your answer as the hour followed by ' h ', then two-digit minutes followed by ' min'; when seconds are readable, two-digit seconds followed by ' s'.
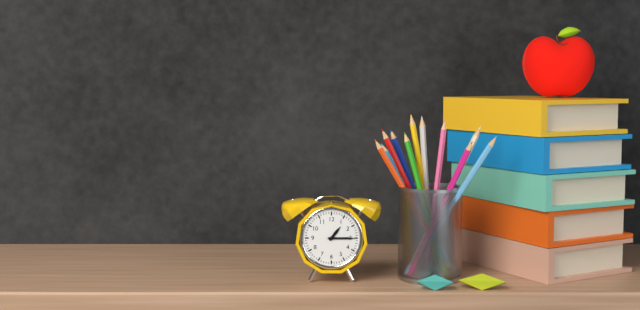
1 h 15 min
